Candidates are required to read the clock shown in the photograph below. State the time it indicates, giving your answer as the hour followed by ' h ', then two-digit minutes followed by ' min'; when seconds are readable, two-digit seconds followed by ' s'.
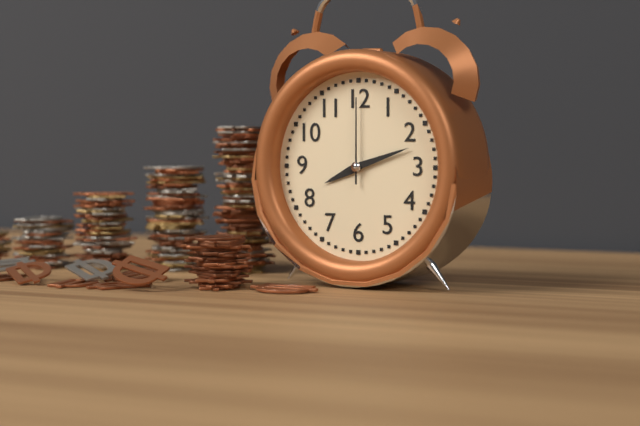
8 h 12 min 00 s
